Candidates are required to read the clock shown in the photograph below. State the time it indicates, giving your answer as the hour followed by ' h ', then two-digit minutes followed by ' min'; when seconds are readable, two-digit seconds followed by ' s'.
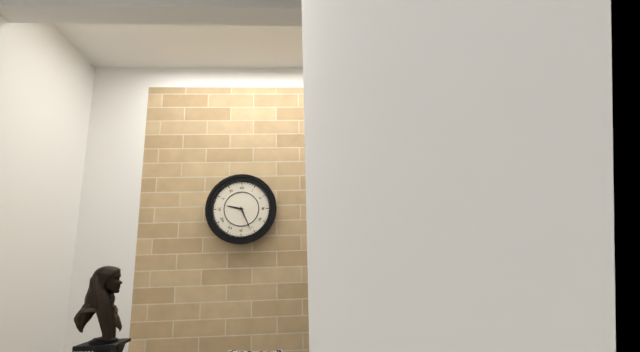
9 h 26 min
